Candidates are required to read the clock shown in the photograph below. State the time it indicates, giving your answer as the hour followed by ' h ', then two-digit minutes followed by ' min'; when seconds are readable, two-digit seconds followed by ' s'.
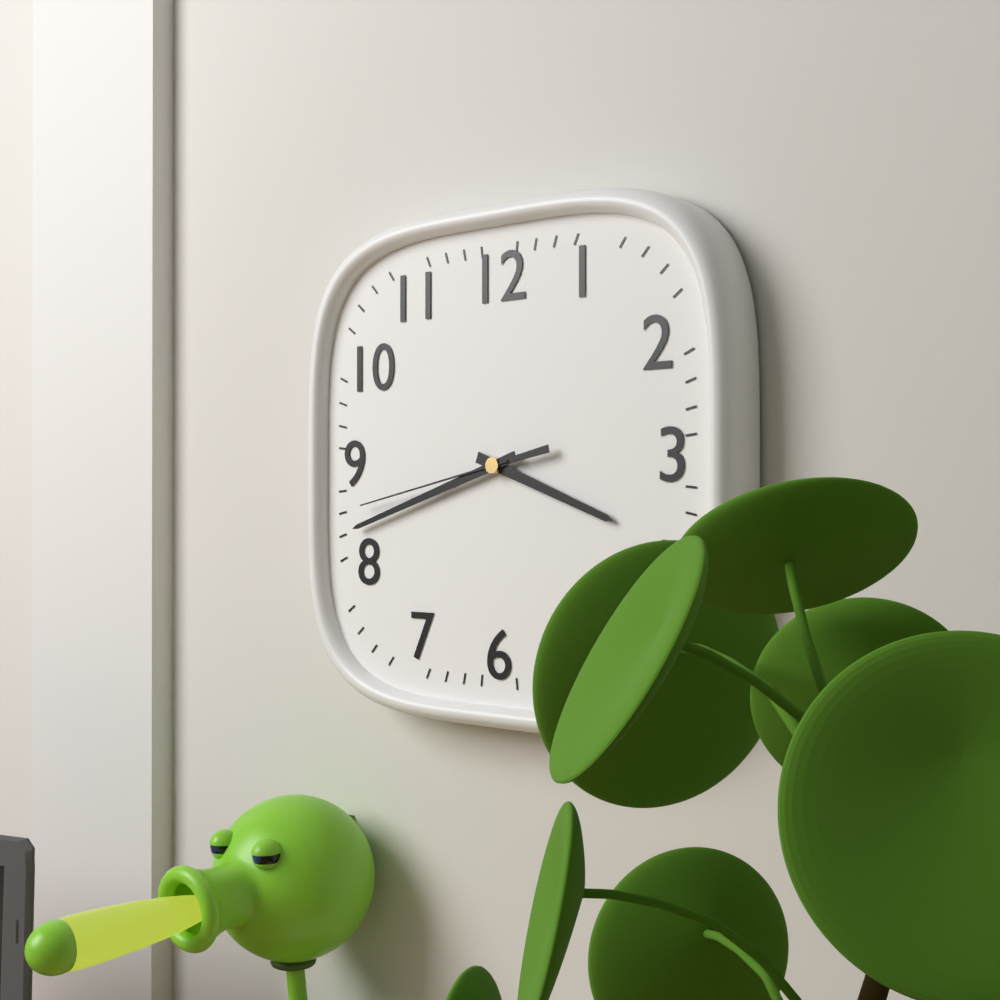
3 h 42 min 43 s
